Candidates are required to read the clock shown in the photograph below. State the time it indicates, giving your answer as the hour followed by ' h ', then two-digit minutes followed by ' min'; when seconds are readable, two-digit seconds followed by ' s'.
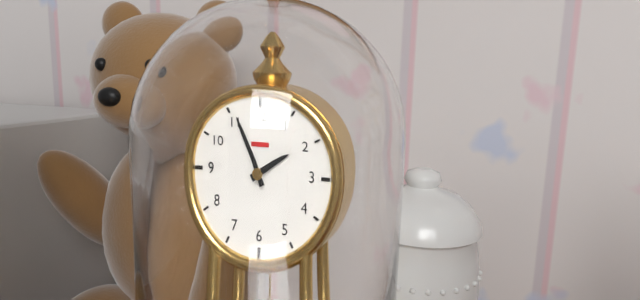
1 h 56 min
